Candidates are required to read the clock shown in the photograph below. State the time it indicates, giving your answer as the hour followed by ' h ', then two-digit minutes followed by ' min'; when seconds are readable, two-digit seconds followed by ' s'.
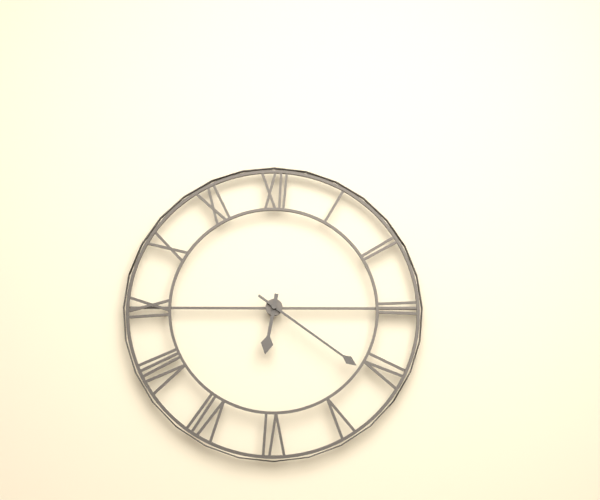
6 h 21 min
